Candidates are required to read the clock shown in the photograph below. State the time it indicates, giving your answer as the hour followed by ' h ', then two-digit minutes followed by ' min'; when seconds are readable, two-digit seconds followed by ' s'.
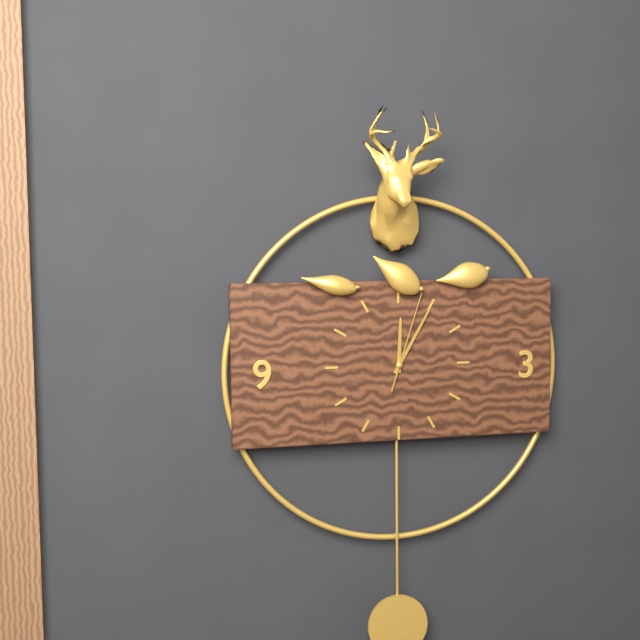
12 h 05 min 03 s
